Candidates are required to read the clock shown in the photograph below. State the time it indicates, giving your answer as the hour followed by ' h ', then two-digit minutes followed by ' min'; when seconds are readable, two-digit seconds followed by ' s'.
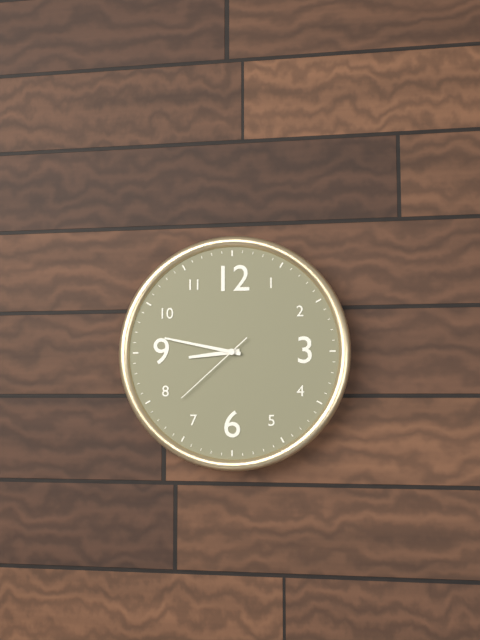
8 h 47 min 38 s
